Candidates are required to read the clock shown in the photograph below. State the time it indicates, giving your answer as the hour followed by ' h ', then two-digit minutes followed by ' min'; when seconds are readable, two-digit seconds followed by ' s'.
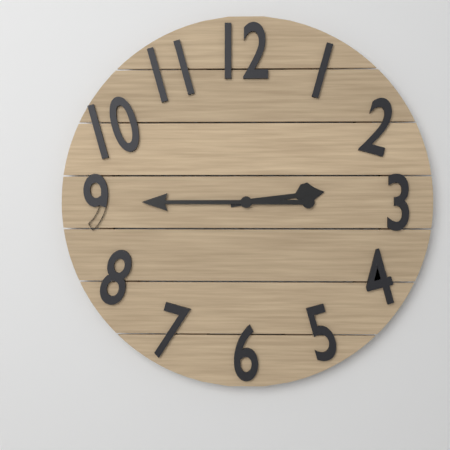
2 h 45 min
